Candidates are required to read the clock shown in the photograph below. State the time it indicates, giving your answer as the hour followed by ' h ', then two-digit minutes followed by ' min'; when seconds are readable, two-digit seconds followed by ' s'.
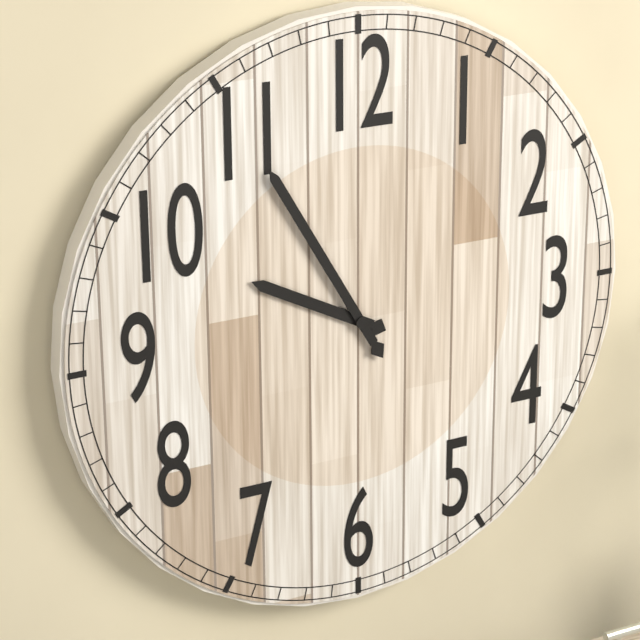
9 h 55 min
